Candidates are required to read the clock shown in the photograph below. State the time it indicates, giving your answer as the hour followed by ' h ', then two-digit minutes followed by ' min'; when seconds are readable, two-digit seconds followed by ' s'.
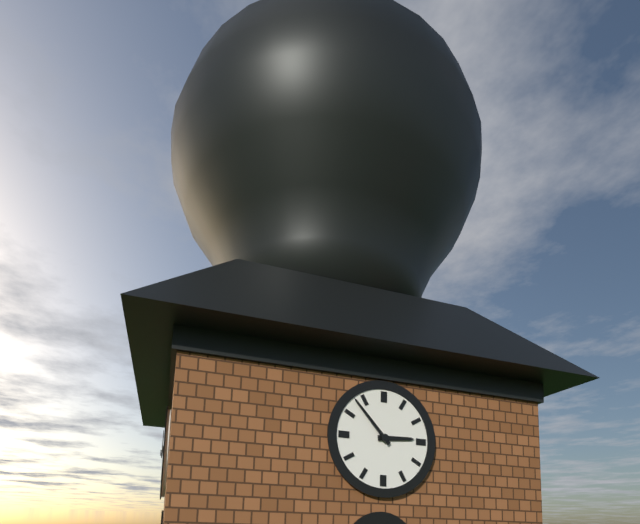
2 h 53 min
